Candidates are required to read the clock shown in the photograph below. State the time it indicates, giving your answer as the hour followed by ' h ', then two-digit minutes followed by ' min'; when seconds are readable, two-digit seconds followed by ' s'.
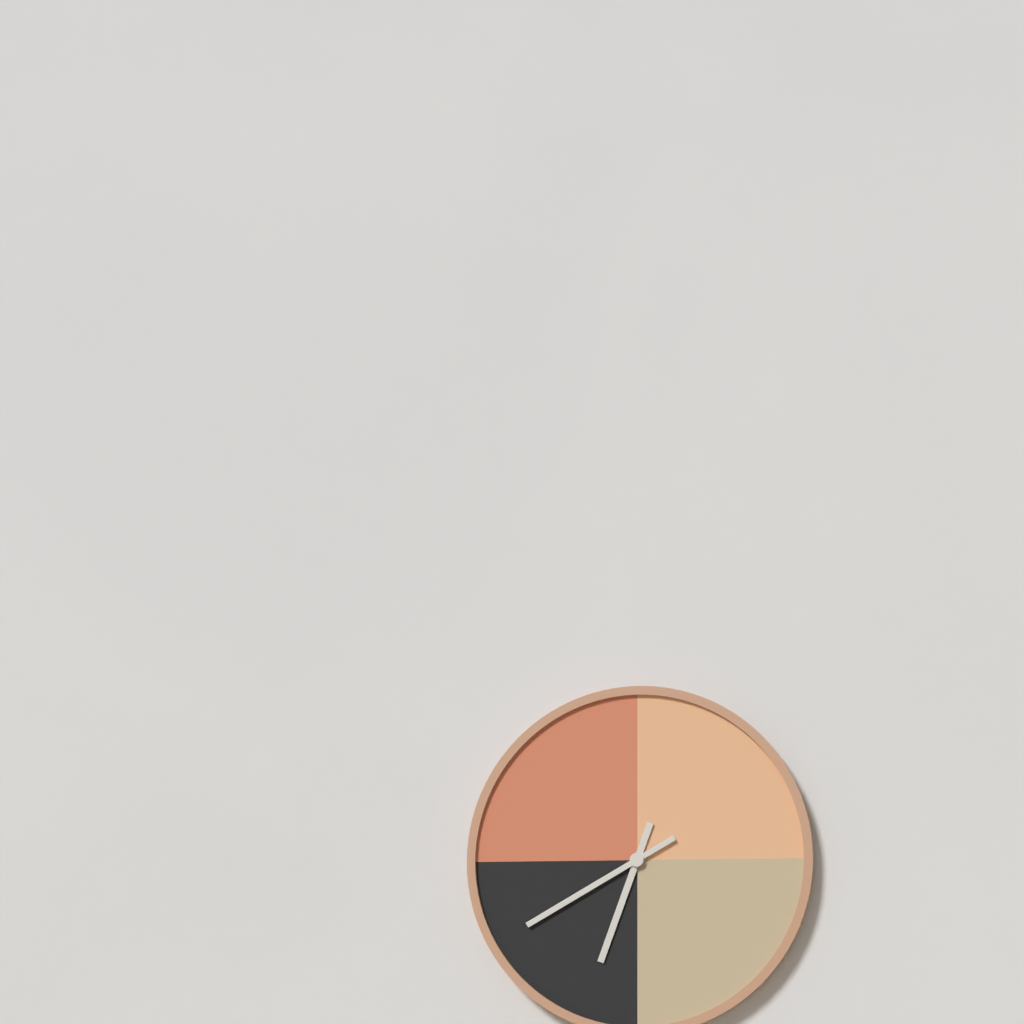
6 h 40 min
